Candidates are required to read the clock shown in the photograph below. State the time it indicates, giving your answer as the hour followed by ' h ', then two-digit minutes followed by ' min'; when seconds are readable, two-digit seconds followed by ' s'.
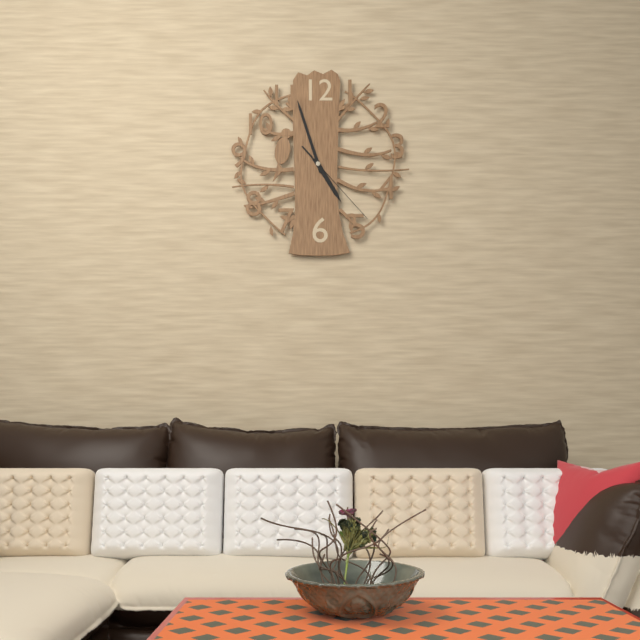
4 h 57 min 23 s
